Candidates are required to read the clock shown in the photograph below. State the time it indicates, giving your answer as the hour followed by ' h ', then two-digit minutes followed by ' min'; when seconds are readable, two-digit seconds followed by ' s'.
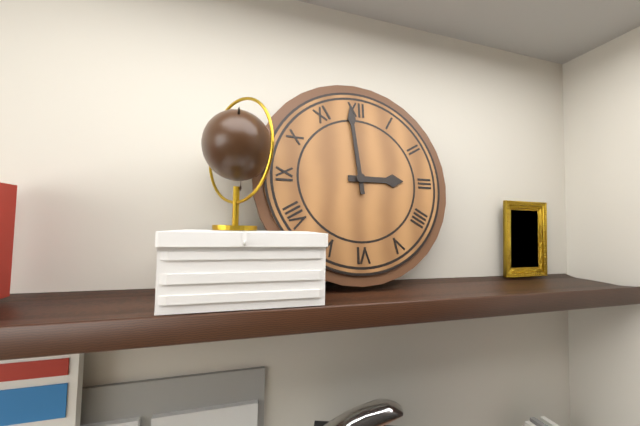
2 h 59 min
